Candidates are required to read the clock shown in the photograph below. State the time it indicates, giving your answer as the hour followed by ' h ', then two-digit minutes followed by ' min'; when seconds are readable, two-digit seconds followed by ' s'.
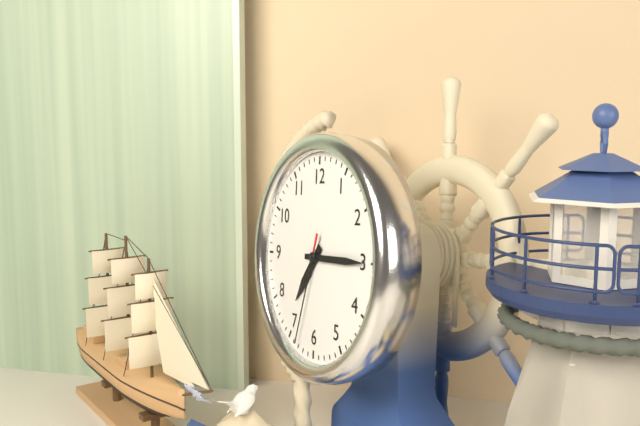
7 h 15 min 33 s
